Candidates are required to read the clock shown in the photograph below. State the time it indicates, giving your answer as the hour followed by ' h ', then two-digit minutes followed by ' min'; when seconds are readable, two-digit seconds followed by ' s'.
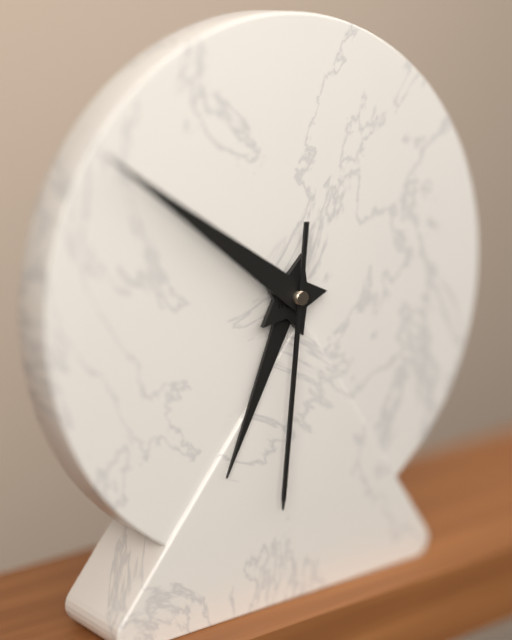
6 h 51 min 31 s
